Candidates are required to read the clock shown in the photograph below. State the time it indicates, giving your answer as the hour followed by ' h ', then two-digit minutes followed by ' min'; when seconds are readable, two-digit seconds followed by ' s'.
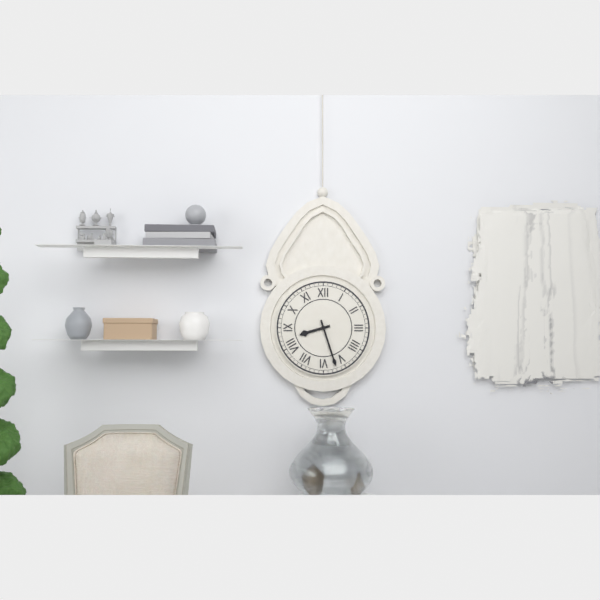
8 h 27 min
